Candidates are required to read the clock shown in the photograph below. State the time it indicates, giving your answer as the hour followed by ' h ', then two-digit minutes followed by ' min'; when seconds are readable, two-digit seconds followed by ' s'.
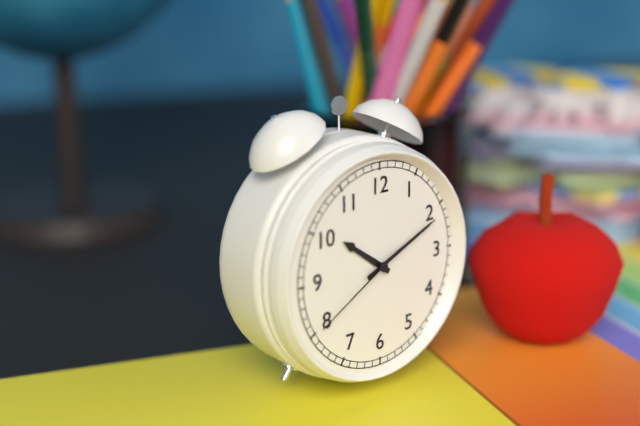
10 h 11 min 40 s
